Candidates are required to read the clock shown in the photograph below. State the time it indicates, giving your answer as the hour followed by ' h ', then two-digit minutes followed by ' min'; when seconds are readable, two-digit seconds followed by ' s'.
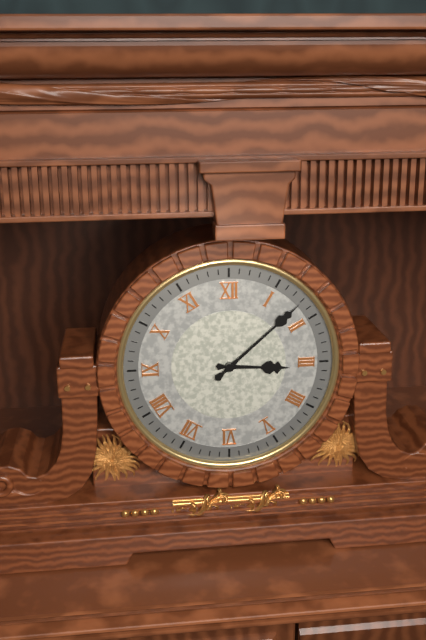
3 h 08 min
